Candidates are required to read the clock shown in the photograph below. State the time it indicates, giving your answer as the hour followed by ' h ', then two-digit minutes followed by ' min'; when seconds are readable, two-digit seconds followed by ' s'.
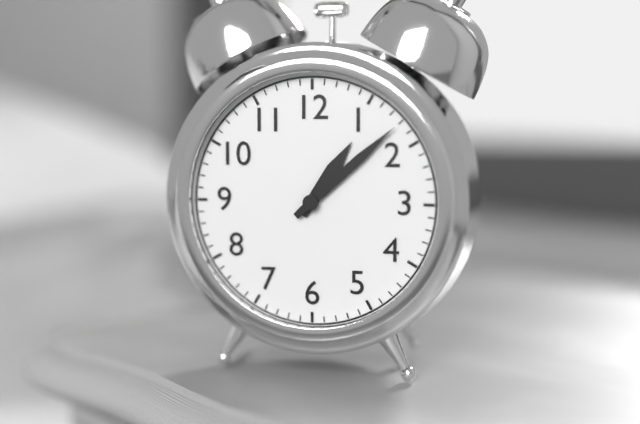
1 h 08 min
